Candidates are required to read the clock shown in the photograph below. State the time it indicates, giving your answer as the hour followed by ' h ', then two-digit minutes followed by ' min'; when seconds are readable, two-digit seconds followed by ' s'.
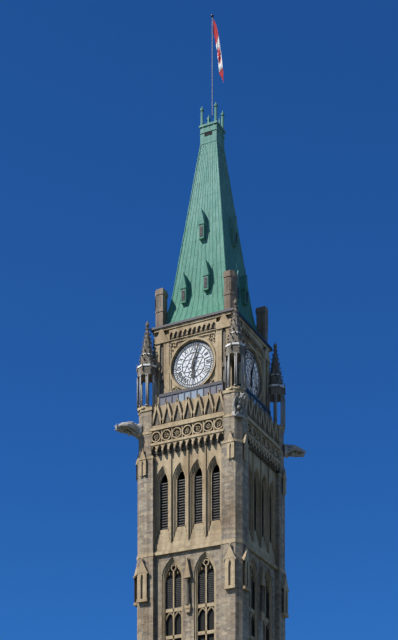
6 h 03 min
